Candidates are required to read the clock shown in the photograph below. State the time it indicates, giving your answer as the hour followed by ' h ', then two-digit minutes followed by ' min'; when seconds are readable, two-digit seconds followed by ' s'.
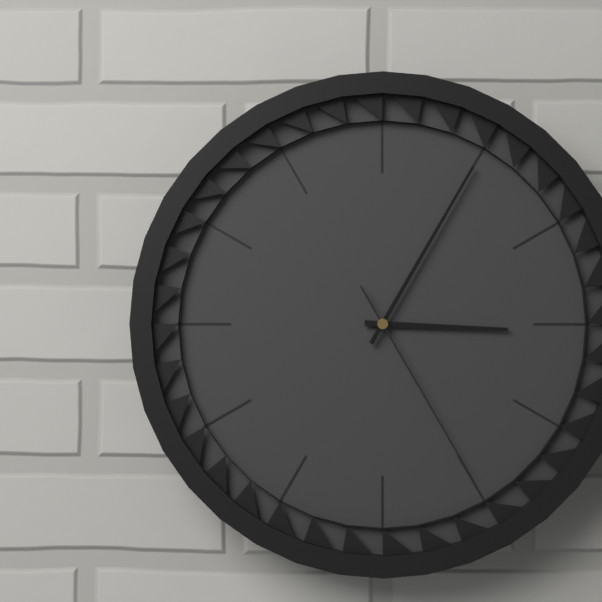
3 h 05 min 25 s
